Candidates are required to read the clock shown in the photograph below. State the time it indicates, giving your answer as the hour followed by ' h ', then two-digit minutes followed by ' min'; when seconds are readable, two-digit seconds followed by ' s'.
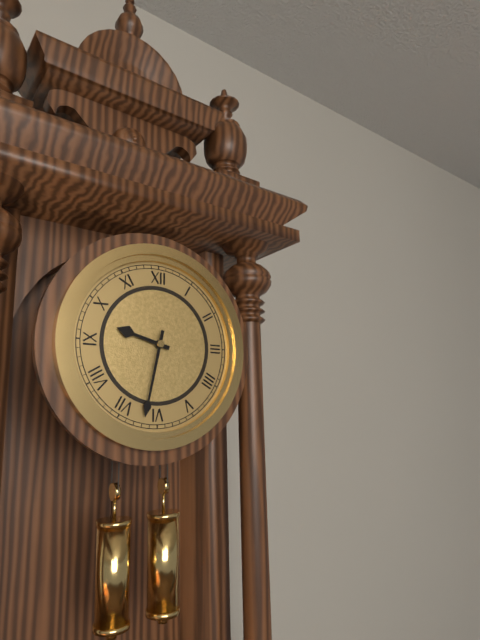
9 h 32 min
